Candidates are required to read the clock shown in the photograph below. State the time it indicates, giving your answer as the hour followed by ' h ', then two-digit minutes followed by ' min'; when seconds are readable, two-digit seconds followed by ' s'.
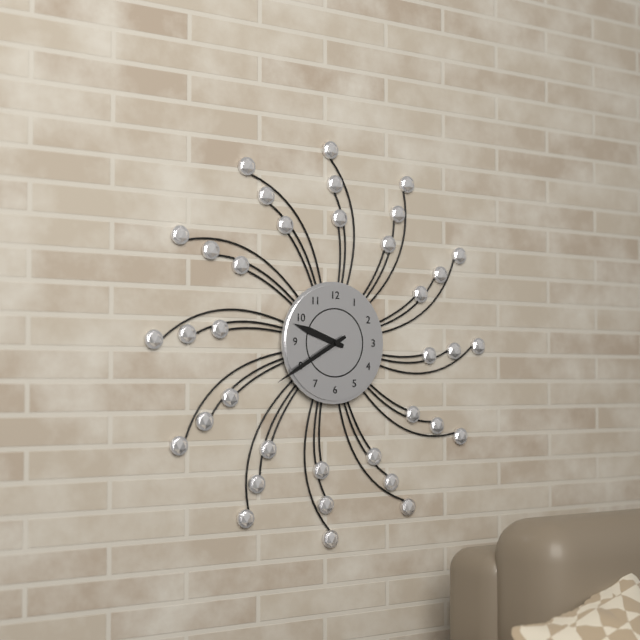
9 h 40 min
